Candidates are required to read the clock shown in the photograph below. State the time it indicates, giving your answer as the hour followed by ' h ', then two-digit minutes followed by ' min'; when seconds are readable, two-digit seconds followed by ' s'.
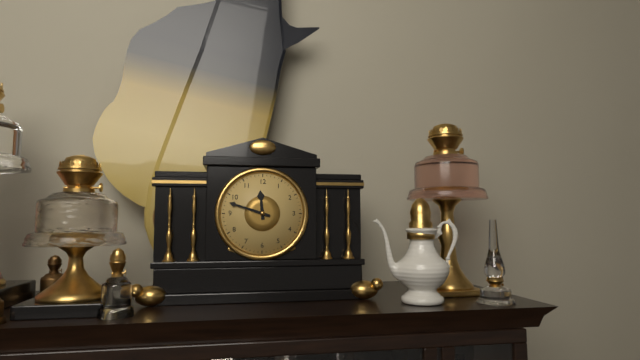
11 h 48 min
